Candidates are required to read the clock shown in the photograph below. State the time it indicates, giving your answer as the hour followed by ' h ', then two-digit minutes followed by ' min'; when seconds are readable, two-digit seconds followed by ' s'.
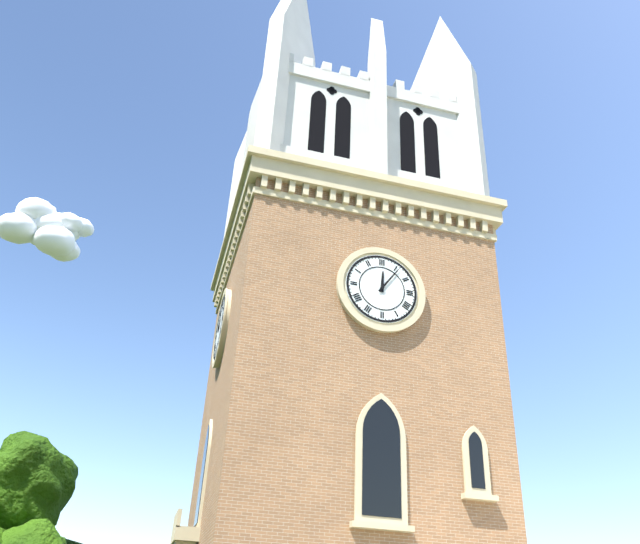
12 h 06 min
